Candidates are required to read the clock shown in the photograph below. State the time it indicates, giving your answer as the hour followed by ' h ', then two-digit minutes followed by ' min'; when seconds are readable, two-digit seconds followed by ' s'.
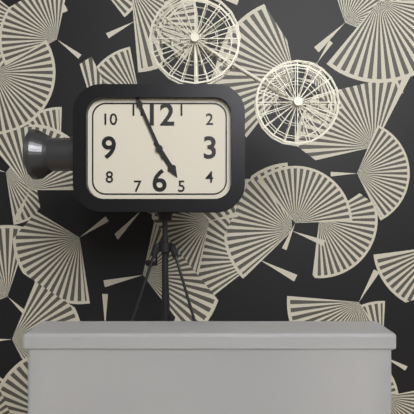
4 h 56 min
